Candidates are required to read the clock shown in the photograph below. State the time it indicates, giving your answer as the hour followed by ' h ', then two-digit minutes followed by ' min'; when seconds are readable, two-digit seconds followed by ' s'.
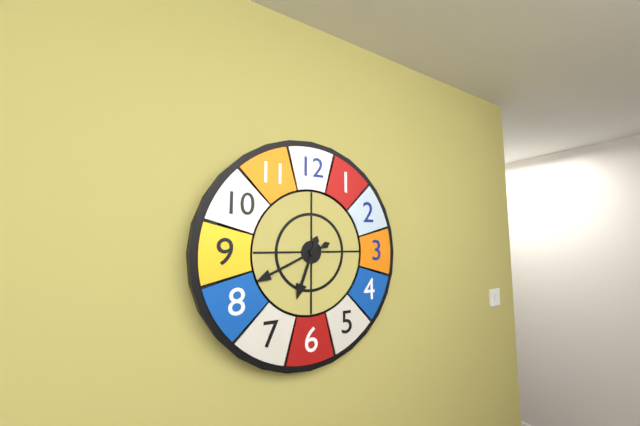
6 h 41 min
